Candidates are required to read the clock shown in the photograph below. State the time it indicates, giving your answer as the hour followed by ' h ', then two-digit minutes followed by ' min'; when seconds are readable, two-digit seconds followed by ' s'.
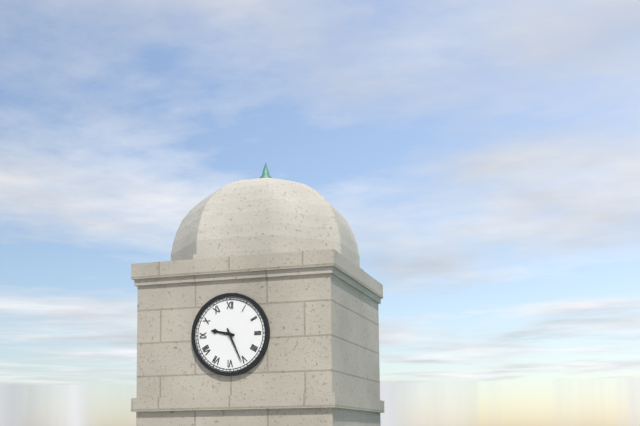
9 h 26 min
